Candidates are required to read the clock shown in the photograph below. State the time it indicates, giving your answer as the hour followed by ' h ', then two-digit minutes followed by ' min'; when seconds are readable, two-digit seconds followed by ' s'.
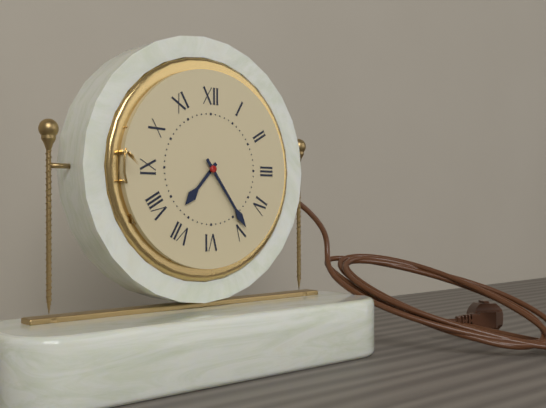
7 h 24 min
